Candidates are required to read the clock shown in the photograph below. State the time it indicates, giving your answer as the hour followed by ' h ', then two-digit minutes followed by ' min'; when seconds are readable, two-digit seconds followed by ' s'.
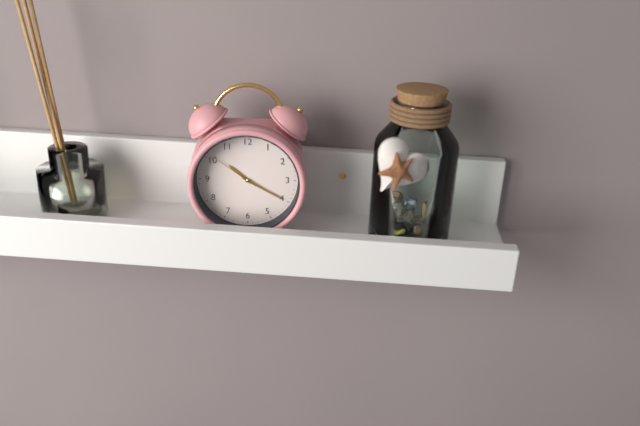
10 h 20 min 51 s
